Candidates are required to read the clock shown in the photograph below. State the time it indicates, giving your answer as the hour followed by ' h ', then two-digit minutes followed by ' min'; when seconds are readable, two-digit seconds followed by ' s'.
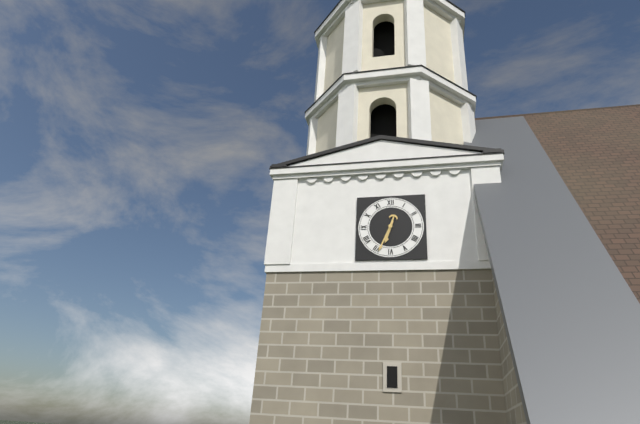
6 h 34 min
